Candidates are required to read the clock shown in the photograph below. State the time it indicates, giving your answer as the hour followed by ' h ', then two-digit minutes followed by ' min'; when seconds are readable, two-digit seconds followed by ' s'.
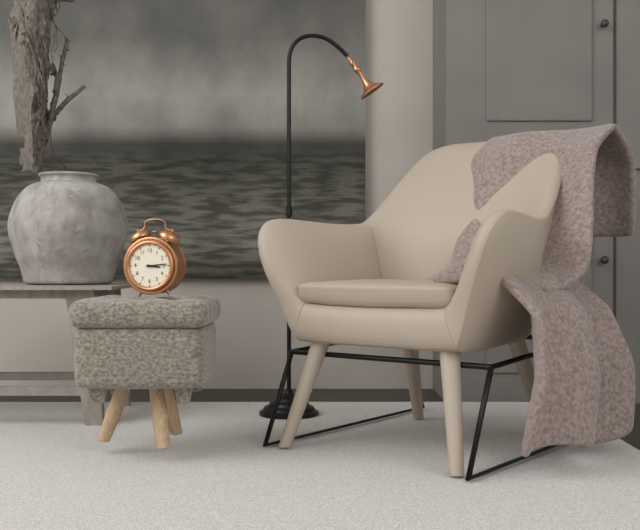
3 h 14 min
